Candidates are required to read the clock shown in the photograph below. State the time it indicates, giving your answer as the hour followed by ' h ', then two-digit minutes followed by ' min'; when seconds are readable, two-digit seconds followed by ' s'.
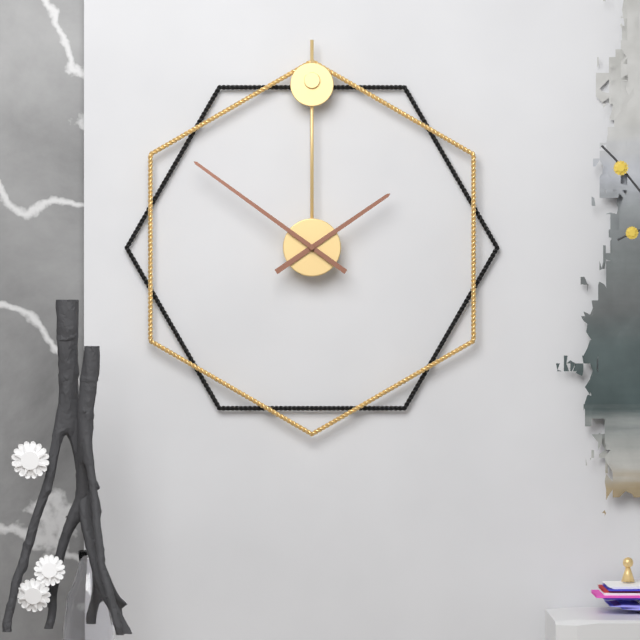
1 h 51 min
